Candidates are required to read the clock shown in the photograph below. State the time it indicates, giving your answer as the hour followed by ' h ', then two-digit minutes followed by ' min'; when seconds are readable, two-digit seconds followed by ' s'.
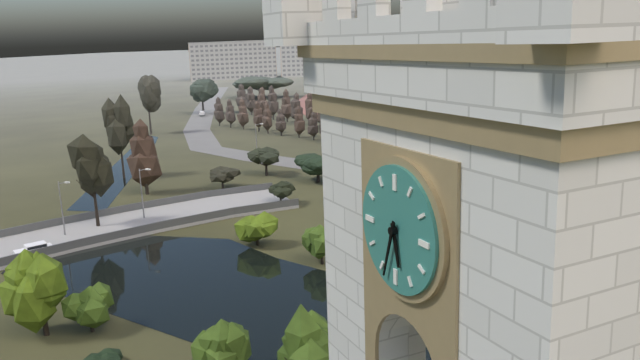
5 h 33 min
